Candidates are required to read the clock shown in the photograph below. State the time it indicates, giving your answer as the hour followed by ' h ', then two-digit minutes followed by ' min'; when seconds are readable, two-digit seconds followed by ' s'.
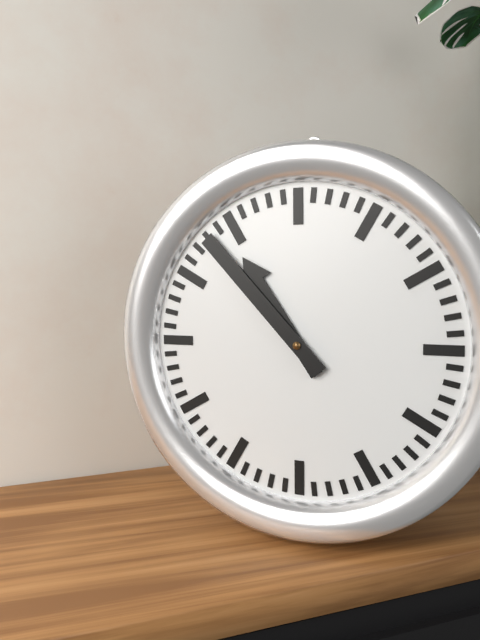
10 h 53 min
